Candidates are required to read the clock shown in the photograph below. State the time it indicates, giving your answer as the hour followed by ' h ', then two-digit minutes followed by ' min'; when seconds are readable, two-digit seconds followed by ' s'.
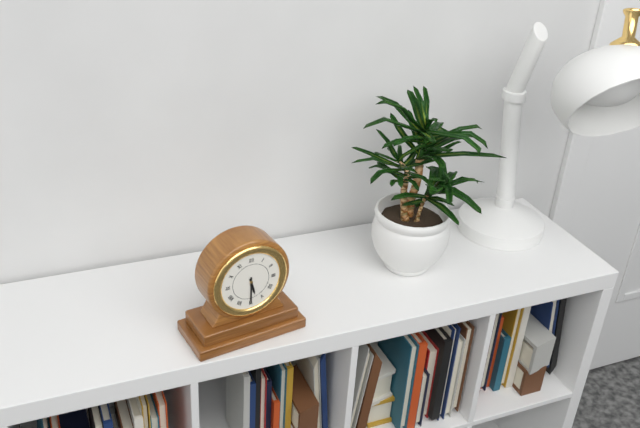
5 h 30 min
